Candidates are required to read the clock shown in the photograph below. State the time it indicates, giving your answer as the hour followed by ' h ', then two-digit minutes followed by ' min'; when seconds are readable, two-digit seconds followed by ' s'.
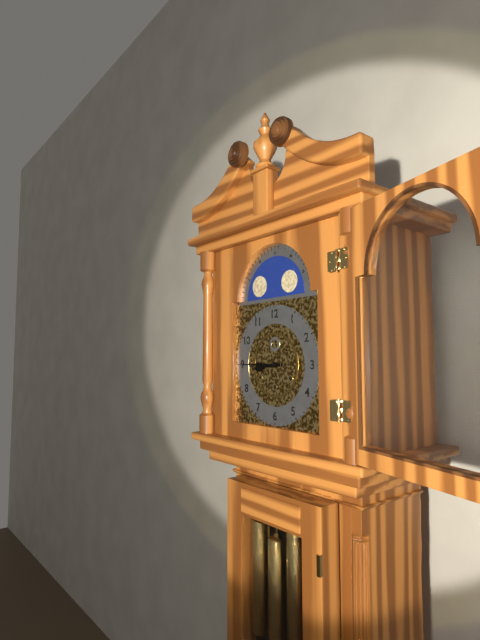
8 h 45 min
